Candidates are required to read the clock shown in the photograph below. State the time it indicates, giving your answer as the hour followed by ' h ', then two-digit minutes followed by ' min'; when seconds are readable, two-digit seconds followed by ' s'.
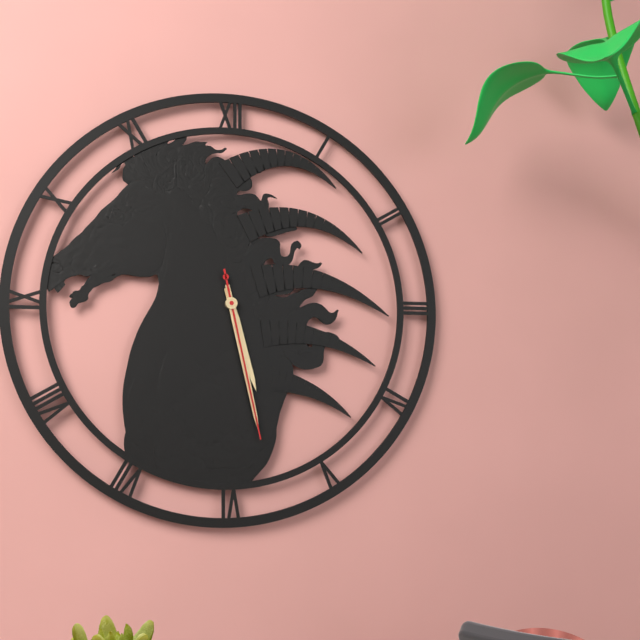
5 h 28 min 28 s
